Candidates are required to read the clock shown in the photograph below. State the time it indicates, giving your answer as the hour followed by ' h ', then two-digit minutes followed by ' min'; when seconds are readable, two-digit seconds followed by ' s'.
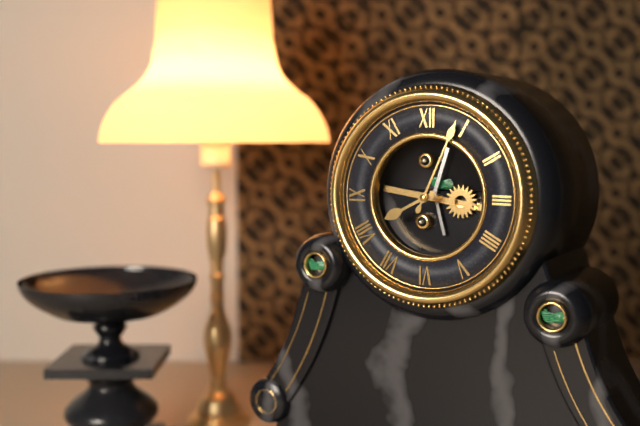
8 h 04 min
